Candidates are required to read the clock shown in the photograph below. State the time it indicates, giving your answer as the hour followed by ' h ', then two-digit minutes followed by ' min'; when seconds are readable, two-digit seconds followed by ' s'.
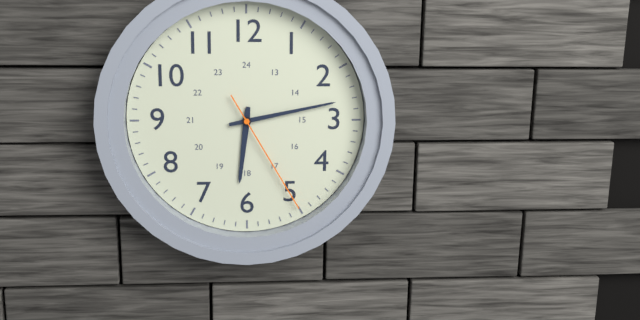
6 h 13 min 25 s
